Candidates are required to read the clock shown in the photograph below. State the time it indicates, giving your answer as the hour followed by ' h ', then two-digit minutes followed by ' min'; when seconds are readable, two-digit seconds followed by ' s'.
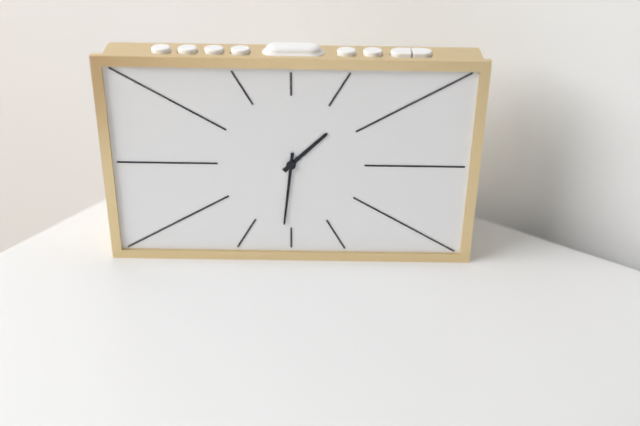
1 h 31 min
